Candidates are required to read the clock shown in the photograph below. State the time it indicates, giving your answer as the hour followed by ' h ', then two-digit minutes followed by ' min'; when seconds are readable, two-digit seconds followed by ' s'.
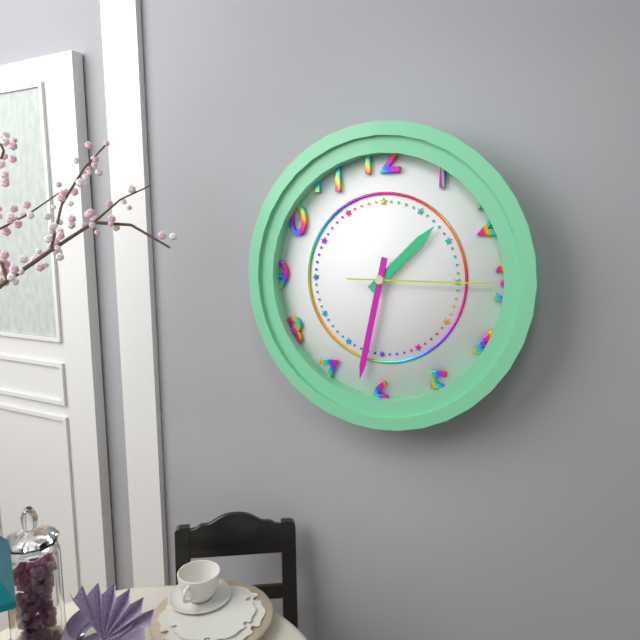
1 h 32 min 15 s
